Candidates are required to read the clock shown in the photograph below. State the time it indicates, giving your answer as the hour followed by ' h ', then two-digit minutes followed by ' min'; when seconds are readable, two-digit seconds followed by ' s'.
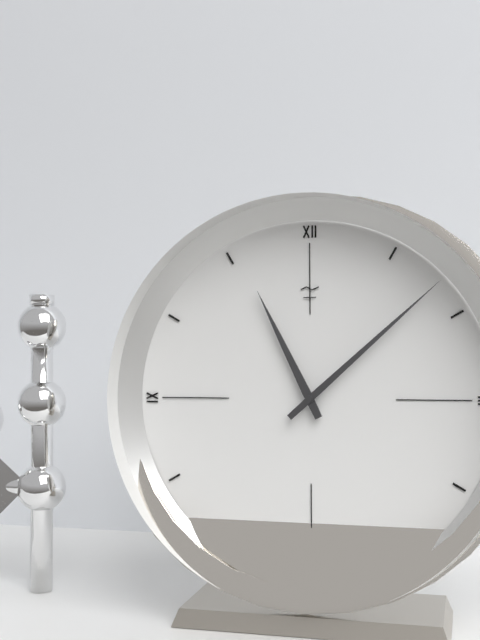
11 h 08 min
